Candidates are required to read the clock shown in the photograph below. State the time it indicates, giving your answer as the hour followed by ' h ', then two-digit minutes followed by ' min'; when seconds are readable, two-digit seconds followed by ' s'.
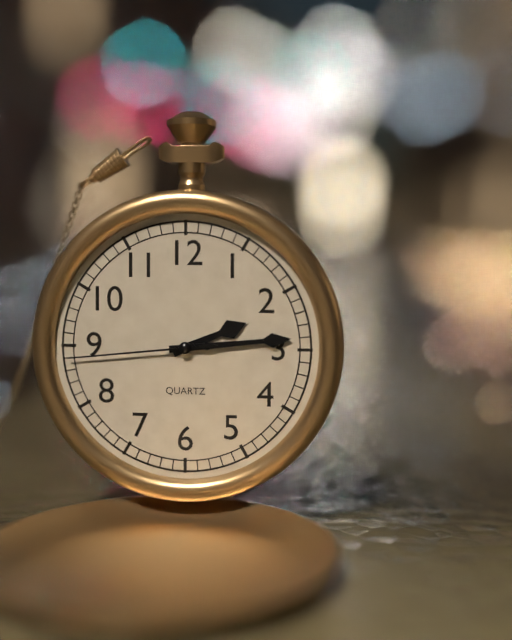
2 h 14 min 44 s
